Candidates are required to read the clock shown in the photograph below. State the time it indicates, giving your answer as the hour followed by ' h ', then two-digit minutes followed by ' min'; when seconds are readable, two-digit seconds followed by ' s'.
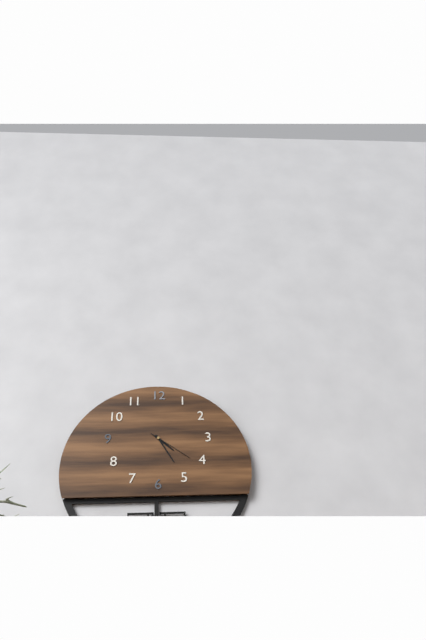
4 h 25 min
